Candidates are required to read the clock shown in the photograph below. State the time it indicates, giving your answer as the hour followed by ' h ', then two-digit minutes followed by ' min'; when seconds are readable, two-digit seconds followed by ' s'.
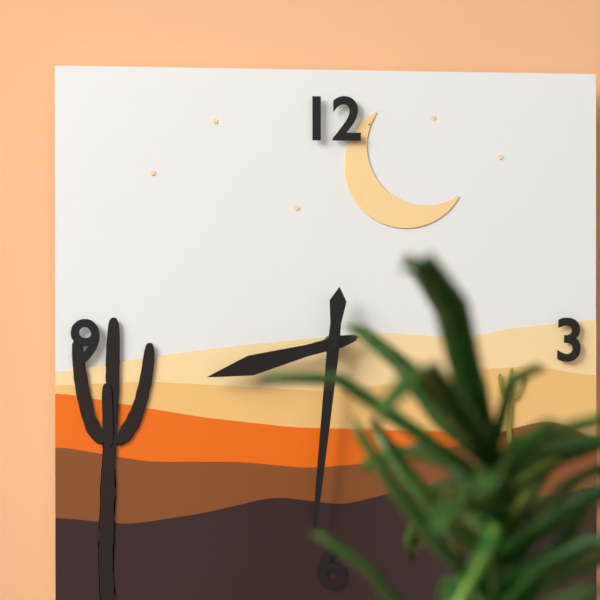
8 h 31 min
